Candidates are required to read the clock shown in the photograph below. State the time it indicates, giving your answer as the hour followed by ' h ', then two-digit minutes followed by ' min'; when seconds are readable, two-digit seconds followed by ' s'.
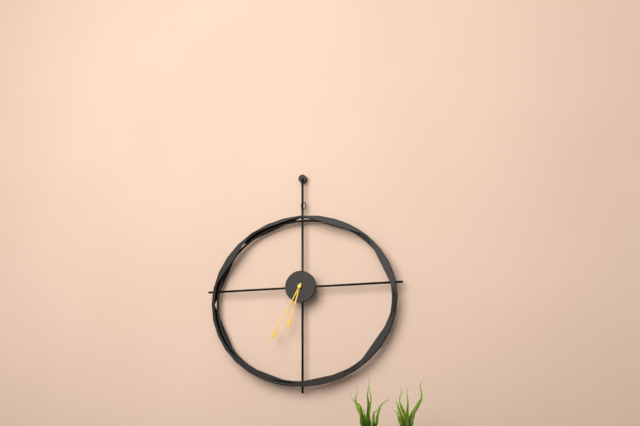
6 h 35 min
